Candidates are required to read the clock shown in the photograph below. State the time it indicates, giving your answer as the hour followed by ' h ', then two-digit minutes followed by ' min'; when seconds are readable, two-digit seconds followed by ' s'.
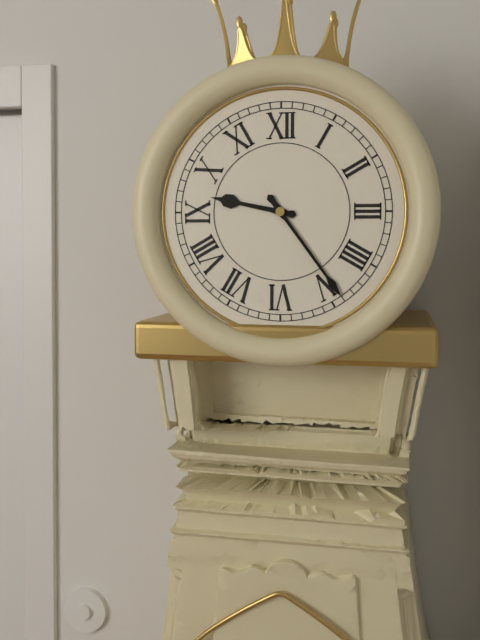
9 h 24 min
